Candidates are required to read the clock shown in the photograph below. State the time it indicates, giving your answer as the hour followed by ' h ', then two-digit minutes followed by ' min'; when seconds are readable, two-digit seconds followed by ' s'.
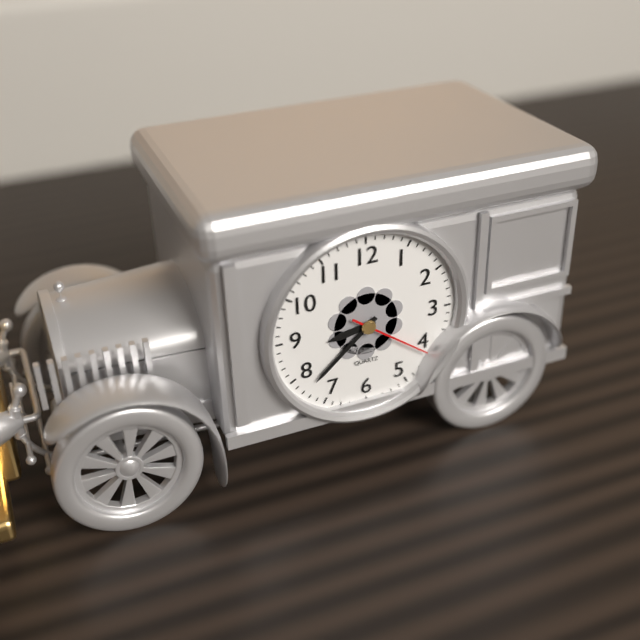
8 h 38 min 21 s
